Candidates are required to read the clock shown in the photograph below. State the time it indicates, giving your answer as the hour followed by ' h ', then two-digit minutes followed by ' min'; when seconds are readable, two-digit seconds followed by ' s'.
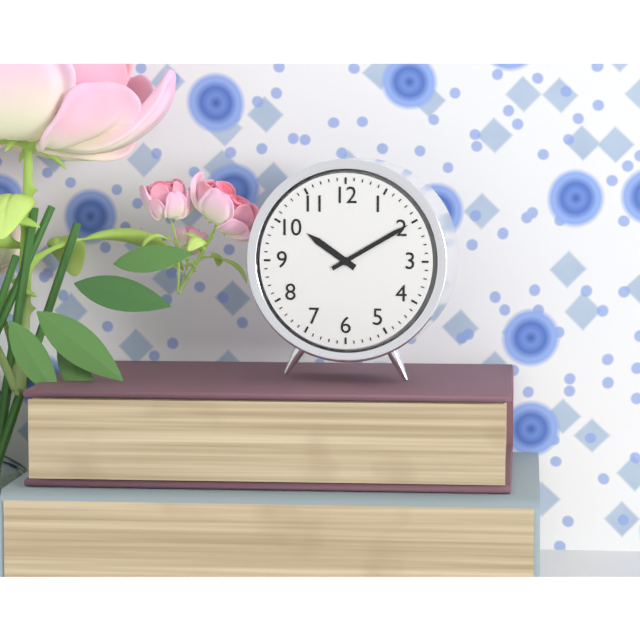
10 h 10 min
